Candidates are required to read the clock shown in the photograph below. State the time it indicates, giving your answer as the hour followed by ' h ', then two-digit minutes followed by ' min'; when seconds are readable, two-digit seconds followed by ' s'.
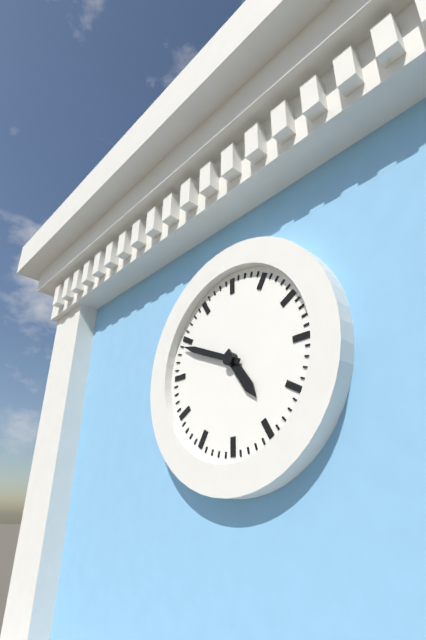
4 h 49 min
